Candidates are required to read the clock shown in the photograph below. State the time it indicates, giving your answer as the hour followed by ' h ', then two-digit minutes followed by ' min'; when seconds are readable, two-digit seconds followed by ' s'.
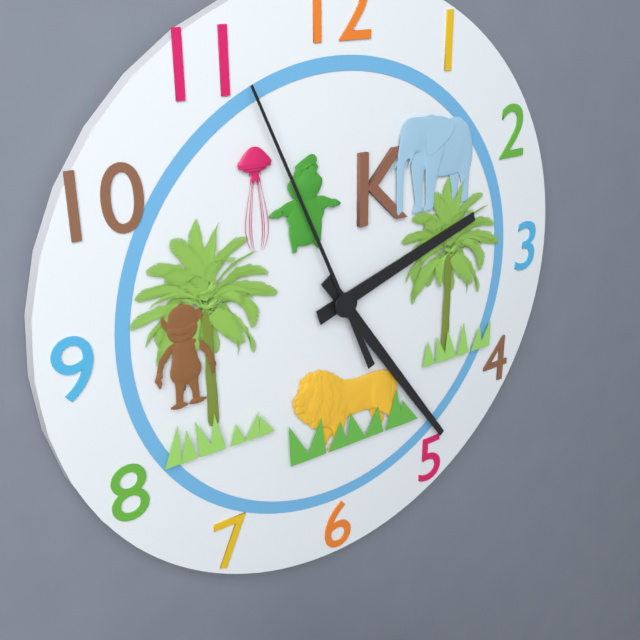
2 h 24 min 56 s
